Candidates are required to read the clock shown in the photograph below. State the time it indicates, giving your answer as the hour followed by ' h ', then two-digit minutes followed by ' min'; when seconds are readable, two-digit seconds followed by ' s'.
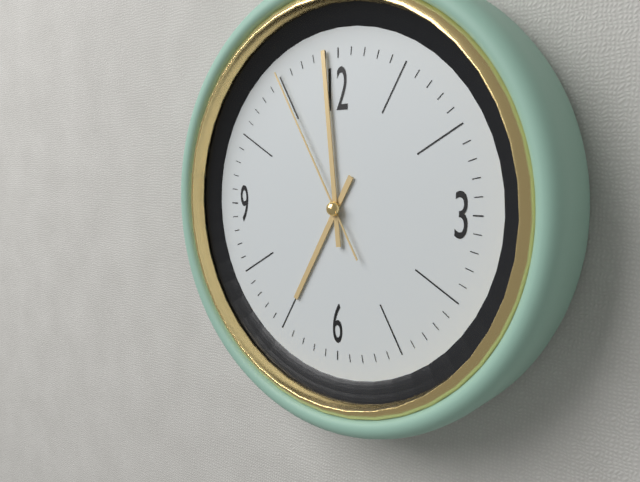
6 h 59 min 55 s
